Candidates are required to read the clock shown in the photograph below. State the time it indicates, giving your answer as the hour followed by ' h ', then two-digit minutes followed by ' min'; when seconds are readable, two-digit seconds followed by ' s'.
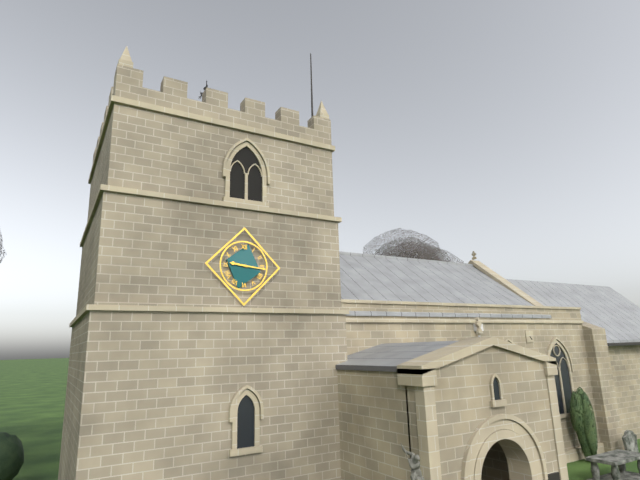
9 h 16 min
